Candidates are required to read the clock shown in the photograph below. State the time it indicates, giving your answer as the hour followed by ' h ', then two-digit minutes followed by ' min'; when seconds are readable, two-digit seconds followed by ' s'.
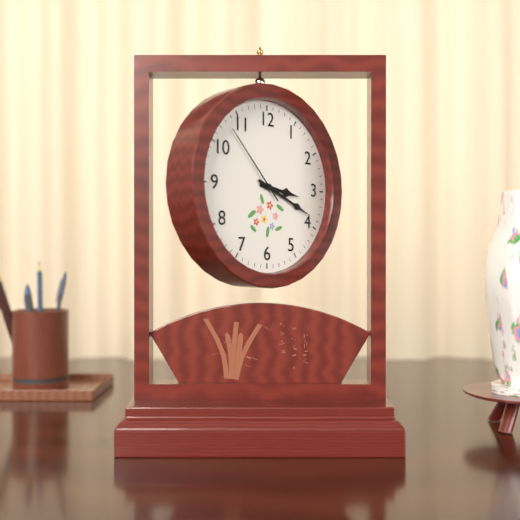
3 h 19 min 53 s
